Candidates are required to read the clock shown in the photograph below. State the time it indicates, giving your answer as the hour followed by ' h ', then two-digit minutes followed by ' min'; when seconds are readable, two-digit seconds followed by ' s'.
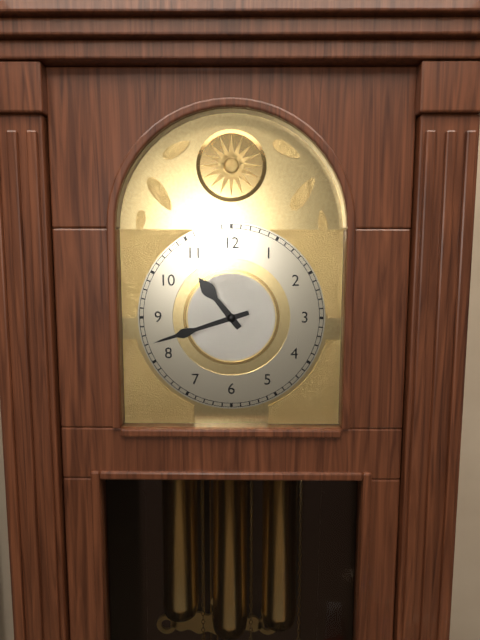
10 h 42 min
